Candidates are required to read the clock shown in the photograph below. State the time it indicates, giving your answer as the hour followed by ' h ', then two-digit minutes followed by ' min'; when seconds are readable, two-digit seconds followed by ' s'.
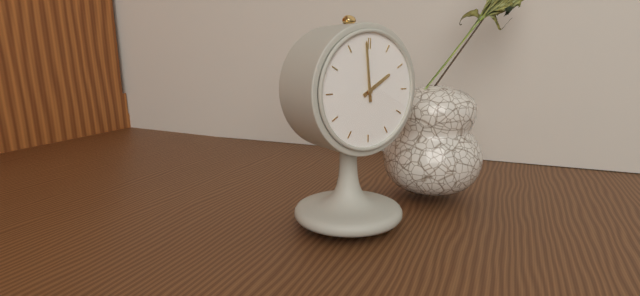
1 h 59 min
